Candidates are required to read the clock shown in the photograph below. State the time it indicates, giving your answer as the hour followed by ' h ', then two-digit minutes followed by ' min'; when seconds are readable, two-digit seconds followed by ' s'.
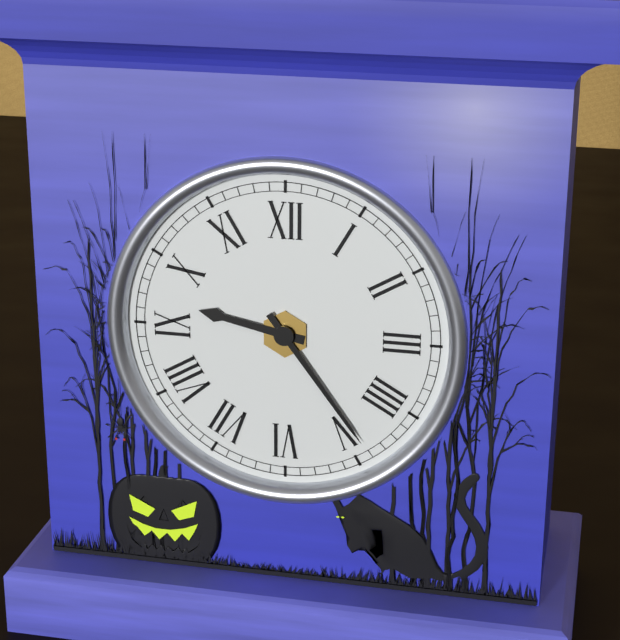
9 h 24 min
